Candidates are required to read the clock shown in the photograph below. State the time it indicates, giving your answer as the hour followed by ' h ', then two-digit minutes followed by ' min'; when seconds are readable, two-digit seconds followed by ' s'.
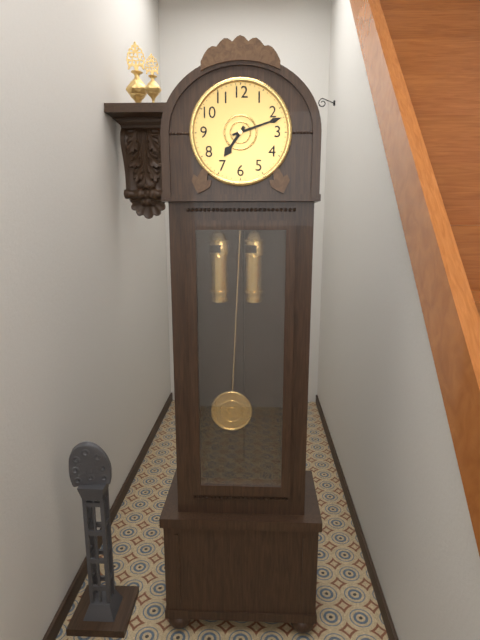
7 h 12 min
